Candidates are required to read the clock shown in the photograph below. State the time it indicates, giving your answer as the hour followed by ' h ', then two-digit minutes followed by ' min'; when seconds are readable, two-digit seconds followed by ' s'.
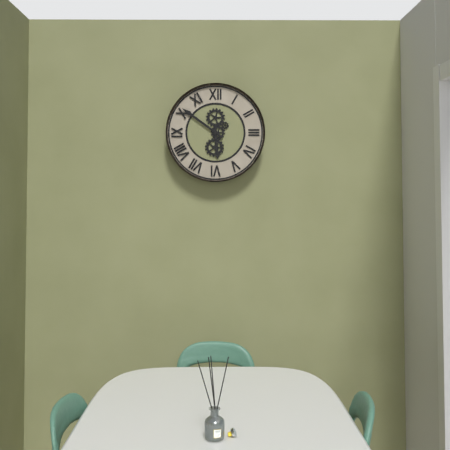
5 h 51 min
